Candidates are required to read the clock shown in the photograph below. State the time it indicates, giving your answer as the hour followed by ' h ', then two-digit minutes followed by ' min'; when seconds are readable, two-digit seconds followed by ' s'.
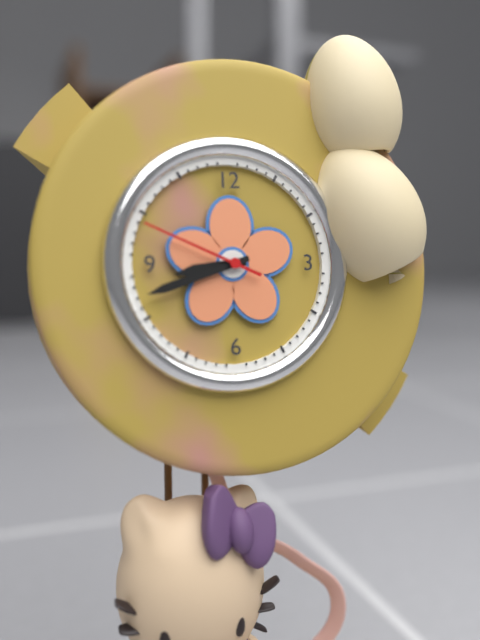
8 h 42 min 49 s
